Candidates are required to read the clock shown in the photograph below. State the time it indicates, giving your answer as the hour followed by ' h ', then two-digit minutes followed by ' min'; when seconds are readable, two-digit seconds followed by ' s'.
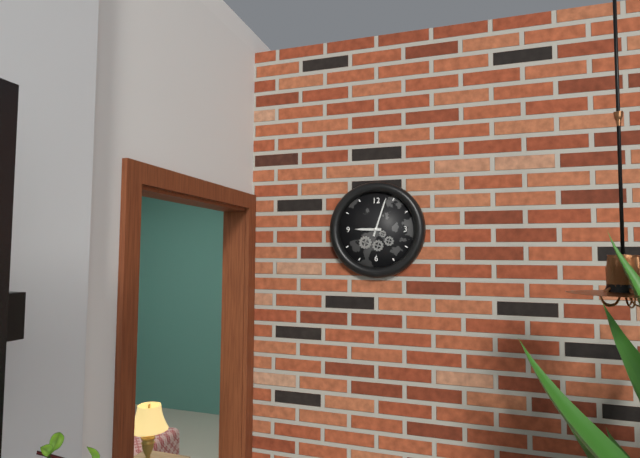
9 h 03 min
